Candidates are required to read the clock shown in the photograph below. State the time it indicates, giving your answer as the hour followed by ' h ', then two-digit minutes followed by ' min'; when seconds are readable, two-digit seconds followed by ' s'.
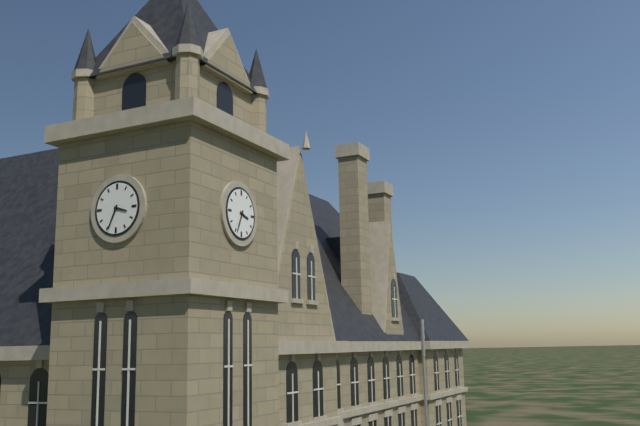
3 h 34 min
